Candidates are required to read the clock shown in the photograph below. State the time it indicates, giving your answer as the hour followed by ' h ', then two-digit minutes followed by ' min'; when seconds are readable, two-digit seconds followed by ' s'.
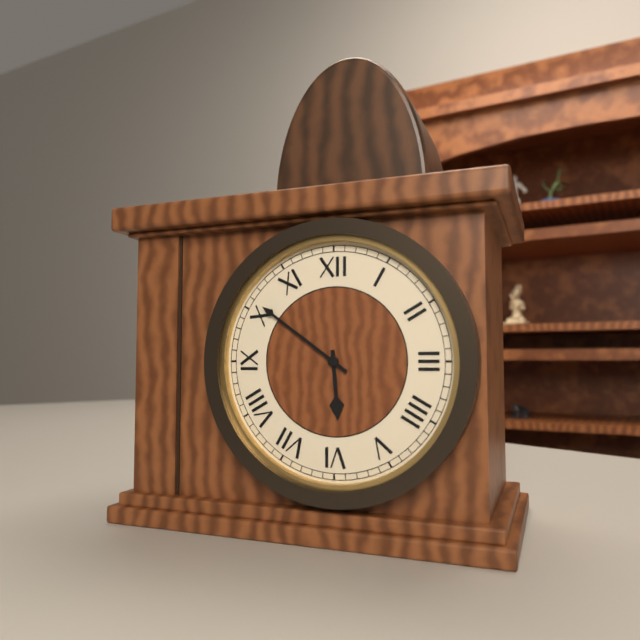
5 h 51 min
